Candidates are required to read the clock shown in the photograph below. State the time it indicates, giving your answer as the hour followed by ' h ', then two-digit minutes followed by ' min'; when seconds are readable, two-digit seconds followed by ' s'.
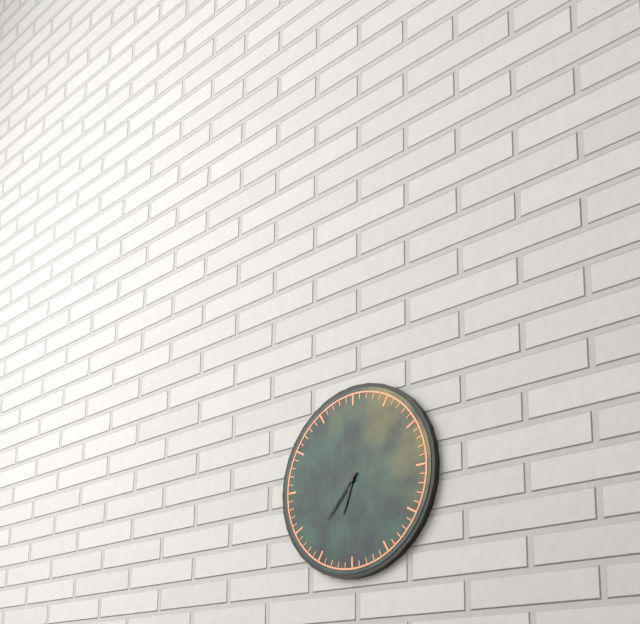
6 h 37 min
